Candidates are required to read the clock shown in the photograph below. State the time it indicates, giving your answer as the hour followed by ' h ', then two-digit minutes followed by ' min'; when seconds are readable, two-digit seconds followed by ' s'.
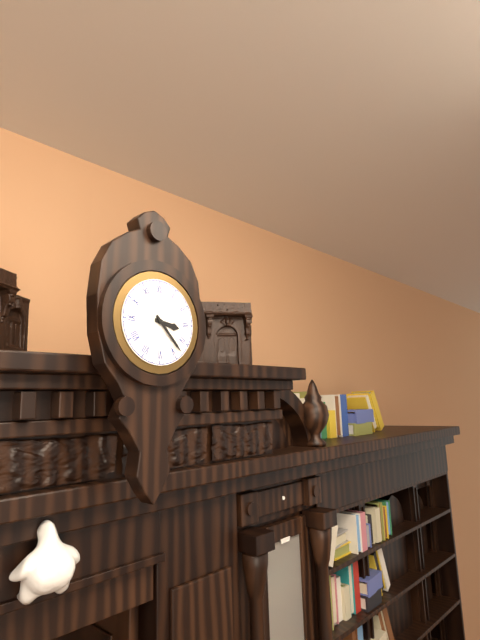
3 h 23 min
